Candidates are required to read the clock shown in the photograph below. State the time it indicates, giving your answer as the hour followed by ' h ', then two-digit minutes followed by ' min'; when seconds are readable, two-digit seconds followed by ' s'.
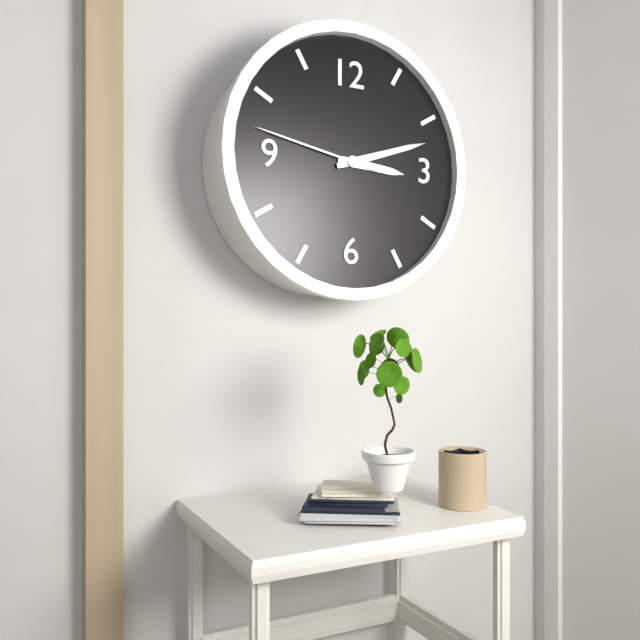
3 h 12 min 47 s
